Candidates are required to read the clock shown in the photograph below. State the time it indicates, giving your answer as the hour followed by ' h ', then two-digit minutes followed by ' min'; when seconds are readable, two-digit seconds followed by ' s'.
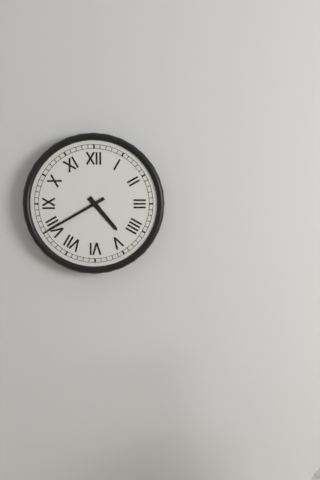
4 h 40 min
